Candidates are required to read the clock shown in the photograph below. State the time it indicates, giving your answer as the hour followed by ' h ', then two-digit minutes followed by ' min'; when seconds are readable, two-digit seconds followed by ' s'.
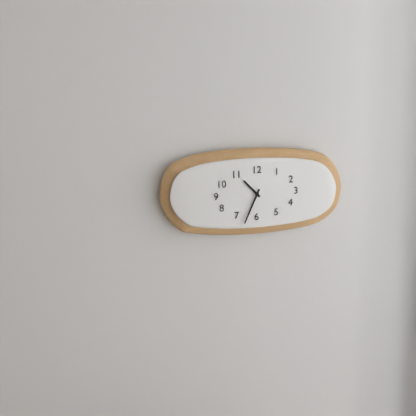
10 h 34 min
